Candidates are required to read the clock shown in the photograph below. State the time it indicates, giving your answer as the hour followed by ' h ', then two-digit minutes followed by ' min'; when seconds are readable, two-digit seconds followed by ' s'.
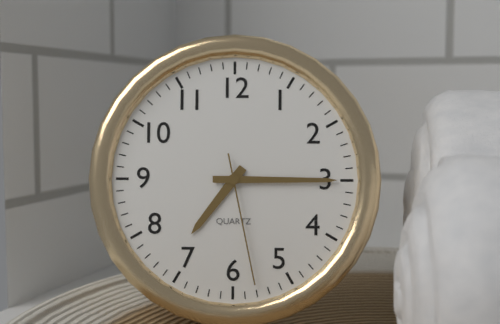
7 h 15 min 28 s
